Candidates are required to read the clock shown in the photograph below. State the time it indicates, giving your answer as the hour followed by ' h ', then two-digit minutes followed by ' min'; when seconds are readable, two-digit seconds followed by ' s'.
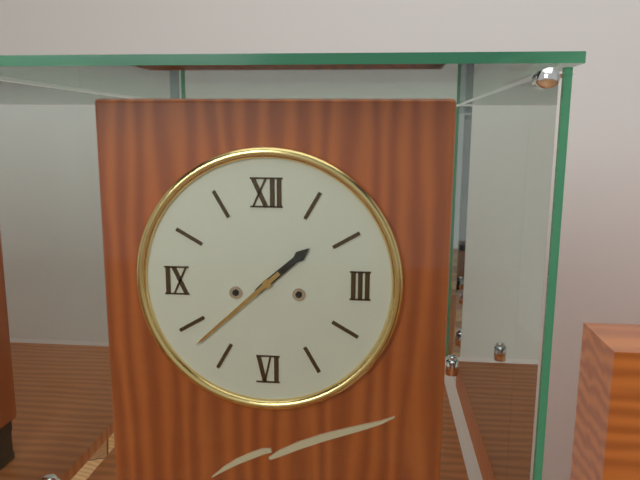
1 h 38 min
